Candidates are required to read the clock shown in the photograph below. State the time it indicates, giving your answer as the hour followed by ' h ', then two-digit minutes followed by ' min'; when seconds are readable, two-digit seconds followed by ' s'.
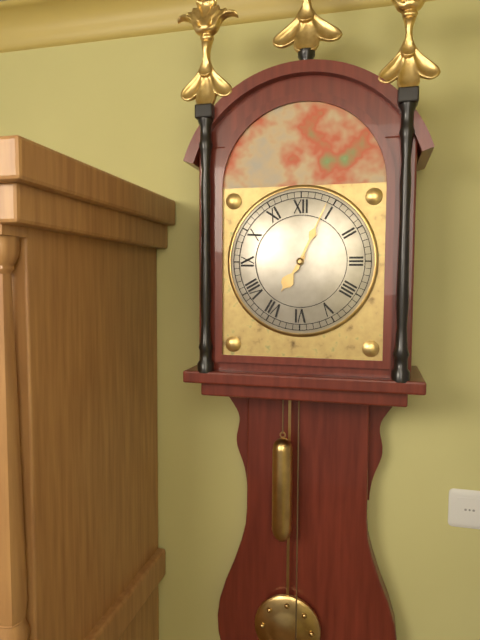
7 h 04 min
